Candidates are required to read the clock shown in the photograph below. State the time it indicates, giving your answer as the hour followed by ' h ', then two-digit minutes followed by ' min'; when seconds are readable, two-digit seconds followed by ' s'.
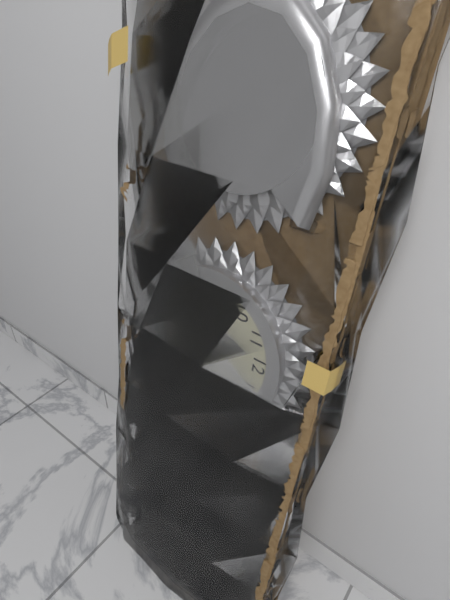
7 h 29 min
